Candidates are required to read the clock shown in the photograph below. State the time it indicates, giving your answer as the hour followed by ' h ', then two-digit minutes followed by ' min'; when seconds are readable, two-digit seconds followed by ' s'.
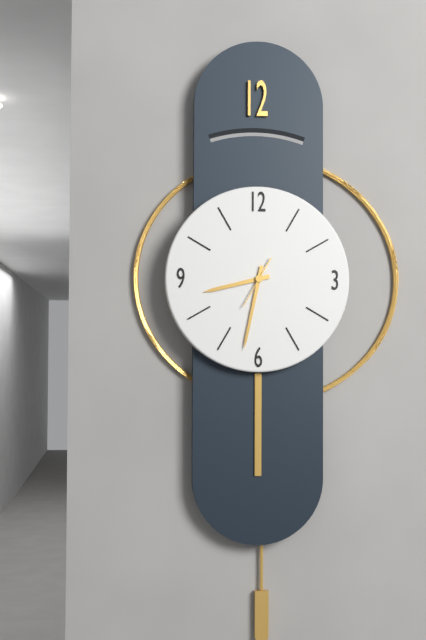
8 h 32 min
